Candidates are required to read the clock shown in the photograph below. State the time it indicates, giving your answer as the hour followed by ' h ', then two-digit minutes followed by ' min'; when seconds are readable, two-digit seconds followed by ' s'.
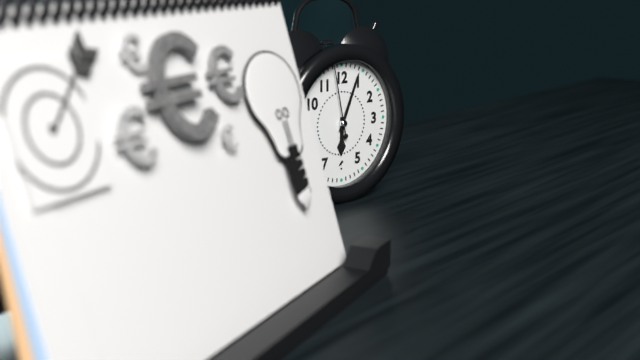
6 h 04 min 58 s
